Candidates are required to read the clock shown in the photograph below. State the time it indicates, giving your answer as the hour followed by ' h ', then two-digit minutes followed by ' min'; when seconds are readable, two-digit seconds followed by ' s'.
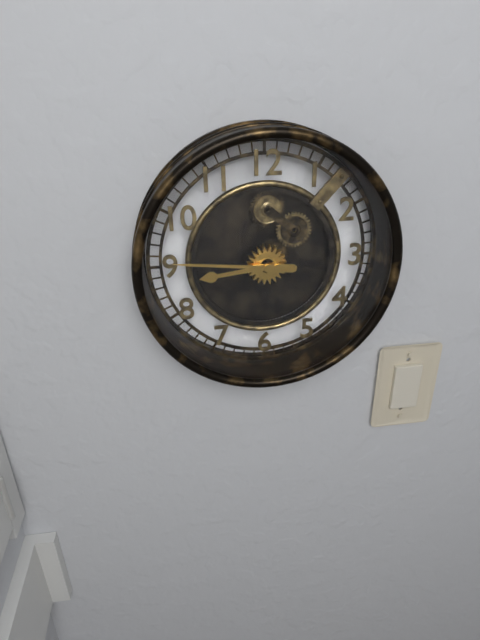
8 h 46 min
